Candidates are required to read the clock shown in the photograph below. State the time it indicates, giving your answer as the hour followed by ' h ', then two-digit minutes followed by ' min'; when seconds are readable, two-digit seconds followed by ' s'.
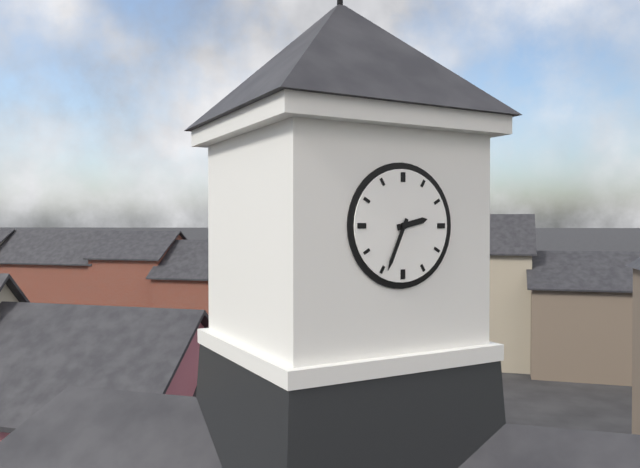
2 h 34 min
